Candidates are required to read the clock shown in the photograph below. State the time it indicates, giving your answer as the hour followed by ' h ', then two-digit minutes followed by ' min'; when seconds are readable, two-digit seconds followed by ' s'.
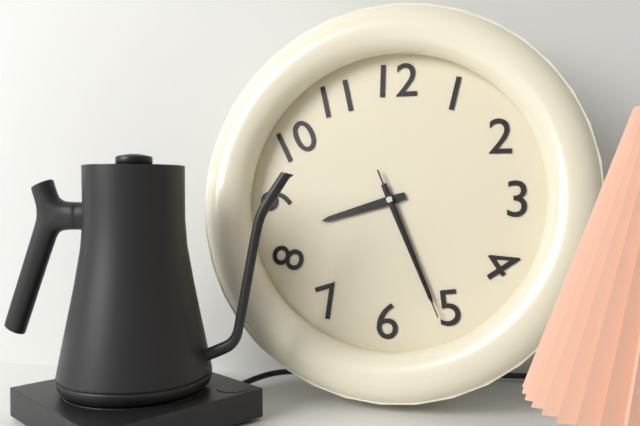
8 h 26 min 26 s
